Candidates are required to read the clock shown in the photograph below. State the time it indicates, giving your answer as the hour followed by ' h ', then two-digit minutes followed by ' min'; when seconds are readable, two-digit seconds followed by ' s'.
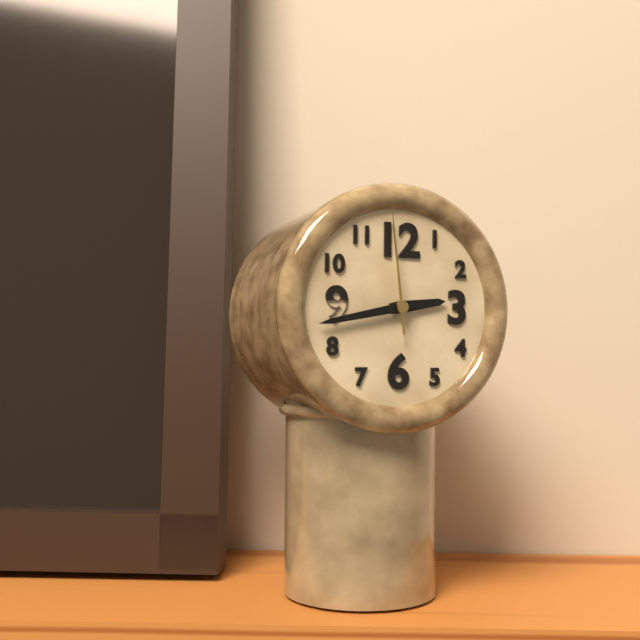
2 h 43 min 59 s
